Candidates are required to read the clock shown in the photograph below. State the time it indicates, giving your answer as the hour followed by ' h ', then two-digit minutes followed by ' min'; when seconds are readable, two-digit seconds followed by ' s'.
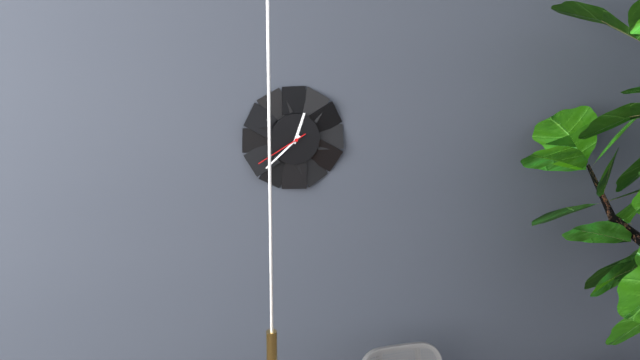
12 h 38 min 40 s
